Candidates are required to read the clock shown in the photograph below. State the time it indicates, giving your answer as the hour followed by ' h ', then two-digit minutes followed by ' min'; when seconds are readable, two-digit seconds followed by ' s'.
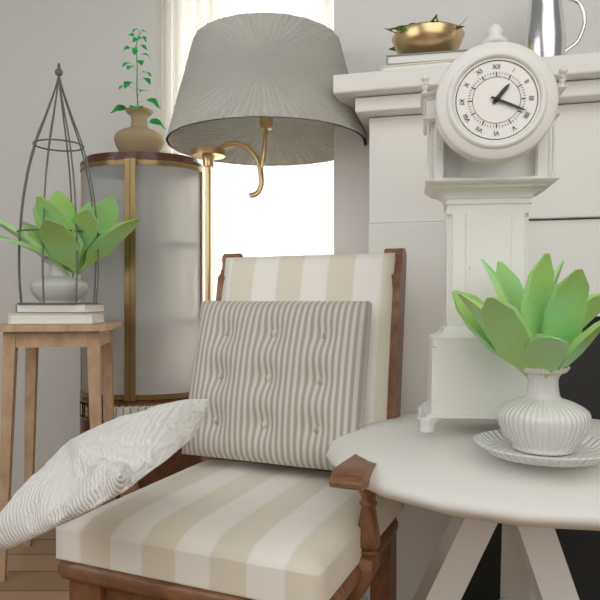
1 h 19 min
